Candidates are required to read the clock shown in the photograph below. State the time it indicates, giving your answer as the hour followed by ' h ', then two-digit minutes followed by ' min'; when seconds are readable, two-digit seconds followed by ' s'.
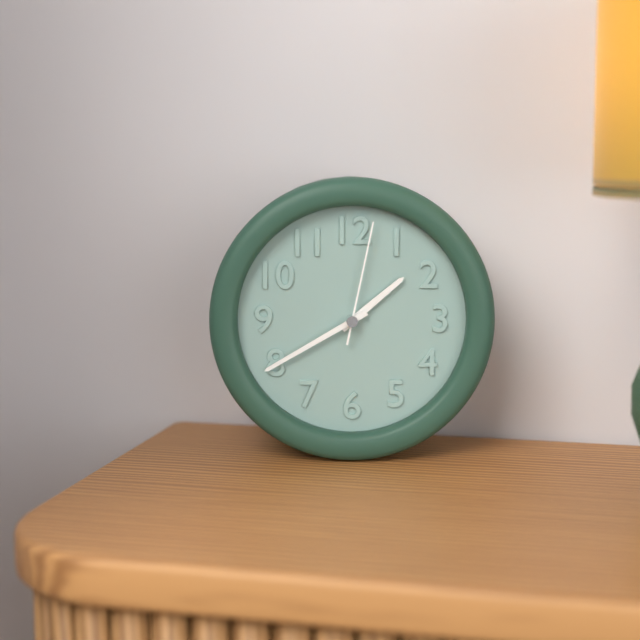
1 h 40 min 02 s
